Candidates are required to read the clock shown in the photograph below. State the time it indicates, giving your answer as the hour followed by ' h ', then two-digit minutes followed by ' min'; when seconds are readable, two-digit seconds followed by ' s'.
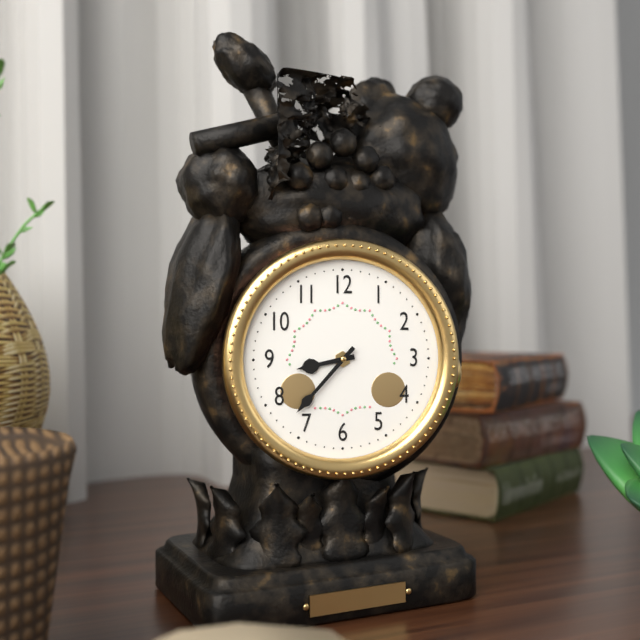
8 h 37 min
